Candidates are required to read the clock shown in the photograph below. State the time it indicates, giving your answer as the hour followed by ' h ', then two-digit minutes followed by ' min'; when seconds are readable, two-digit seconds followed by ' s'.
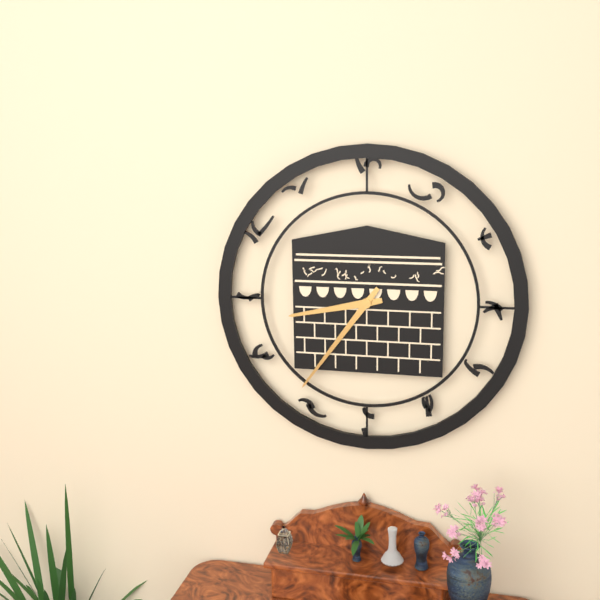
8 h 36 min
